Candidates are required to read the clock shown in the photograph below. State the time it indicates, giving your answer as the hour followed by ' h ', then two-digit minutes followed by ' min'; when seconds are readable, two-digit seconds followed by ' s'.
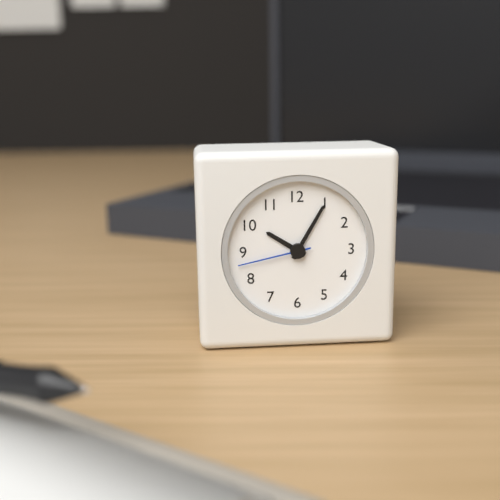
10 h 05 min 43 s
